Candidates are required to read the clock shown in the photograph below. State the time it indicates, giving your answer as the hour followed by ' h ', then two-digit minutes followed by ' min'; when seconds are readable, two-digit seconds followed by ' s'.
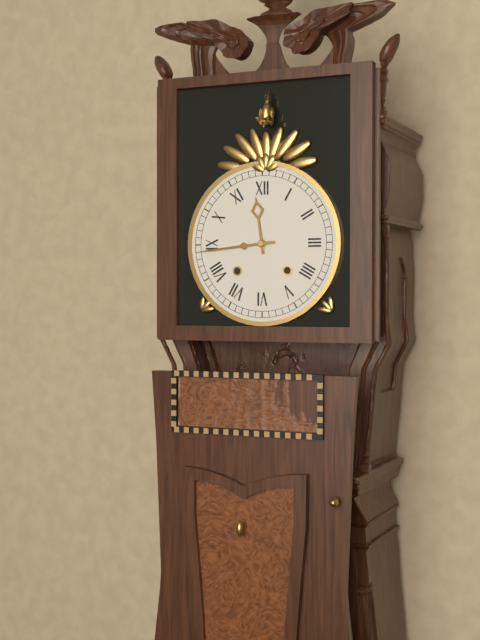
11 h 44 min
